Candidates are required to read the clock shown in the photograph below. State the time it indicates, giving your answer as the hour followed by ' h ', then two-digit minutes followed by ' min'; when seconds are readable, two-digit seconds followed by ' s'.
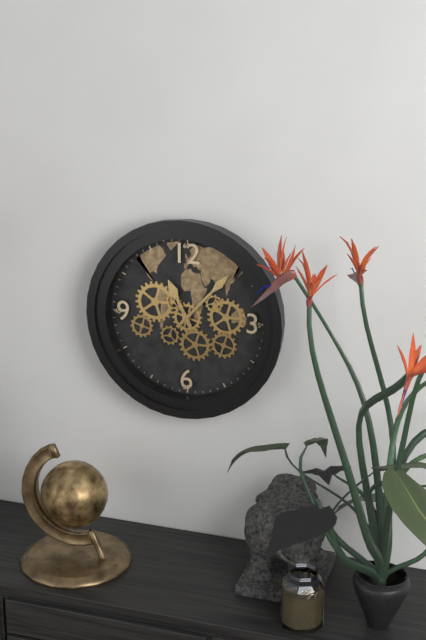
11 h 07 min
